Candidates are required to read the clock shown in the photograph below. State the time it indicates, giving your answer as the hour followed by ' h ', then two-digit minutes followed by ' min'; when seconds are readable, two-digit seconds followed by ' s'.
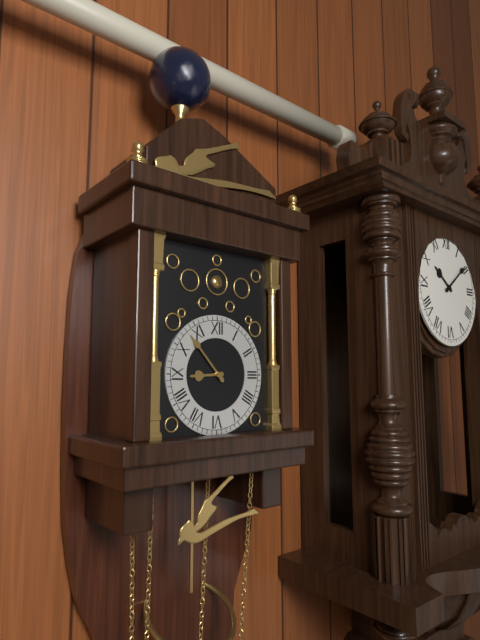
8 h 53 min
